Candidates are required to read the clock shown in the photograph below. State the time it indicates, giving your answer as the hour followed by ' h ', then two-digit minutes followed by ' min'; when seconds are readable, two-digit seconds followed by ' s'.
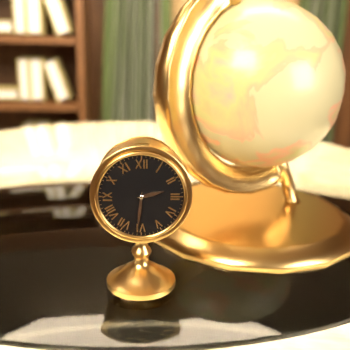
2 h 31 min
